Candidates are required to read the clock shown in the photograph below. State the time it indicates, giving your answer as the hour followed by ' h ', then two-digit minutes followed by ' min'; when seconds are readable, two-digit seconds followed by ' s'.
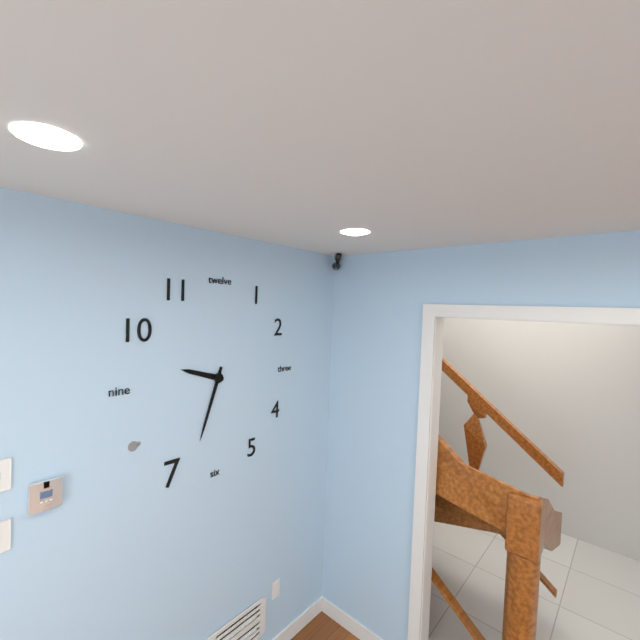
9 h 33 min
